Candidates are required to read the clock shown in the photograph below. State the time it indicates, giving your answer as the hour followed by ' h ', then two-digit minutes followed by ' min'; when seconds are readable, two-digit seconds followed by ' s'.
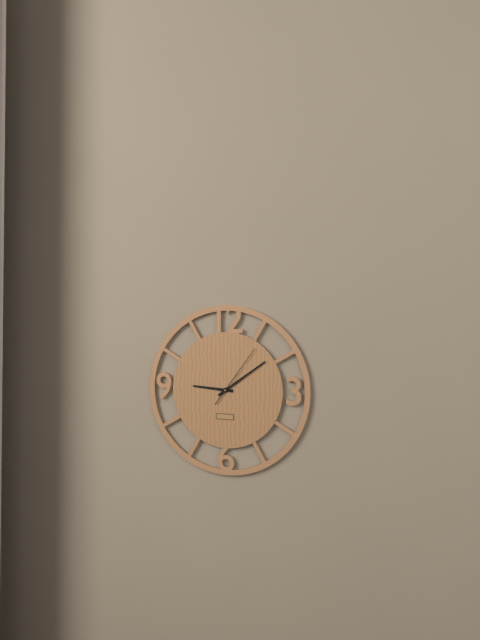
9 h 09 min 06 s
